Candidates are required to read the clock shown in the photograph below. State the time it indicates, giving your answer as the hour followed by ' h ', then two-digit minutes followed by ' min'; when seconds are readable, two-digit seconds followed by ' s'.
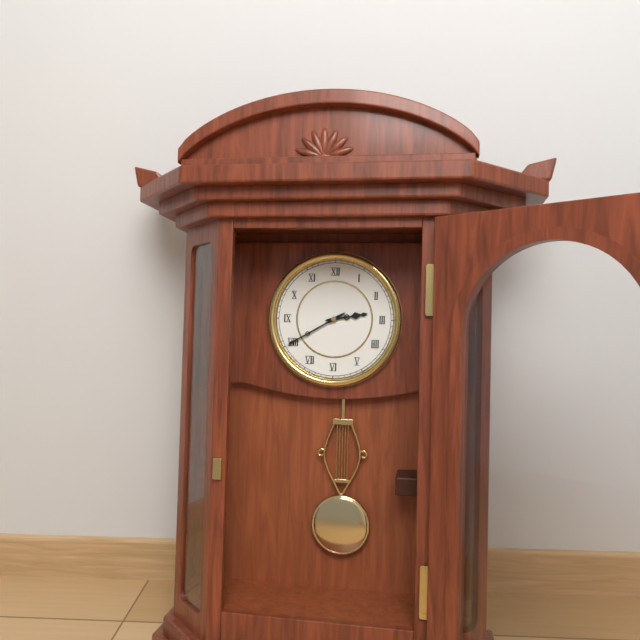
2 h 40 min
